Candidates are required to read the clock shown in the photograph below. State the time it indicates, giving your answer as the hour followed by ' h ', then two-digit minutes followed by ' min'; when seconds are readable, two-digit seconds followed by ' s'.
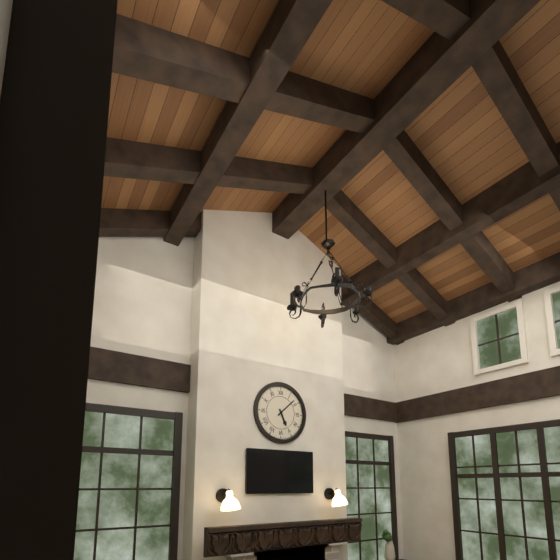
5 h 08 min
